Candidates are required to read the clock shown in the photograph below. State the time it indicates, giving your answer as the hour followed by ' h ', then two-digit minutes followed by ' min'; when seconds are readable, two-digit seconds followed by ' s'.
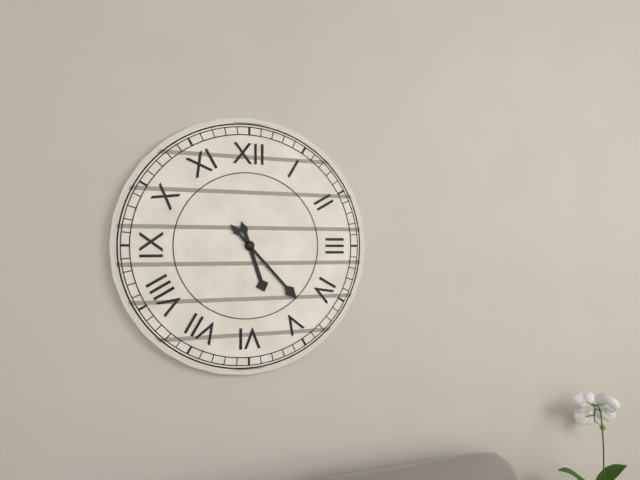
5 h 23 min
